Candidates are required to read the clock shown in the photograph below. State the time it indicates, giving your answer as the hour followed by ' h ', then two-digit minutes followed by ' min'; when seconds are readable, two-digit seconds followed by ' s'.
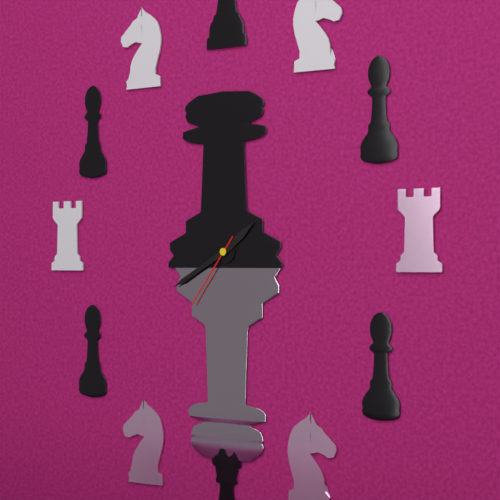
1 h 40 min 36 s
